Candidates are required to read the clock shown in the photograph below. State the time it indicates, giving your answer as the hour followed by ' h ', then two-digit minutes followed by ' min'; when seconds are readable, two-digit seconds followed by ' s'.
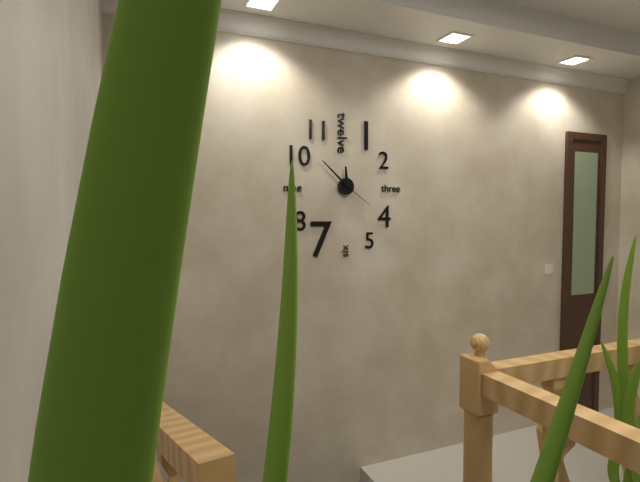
11 h 52 min
